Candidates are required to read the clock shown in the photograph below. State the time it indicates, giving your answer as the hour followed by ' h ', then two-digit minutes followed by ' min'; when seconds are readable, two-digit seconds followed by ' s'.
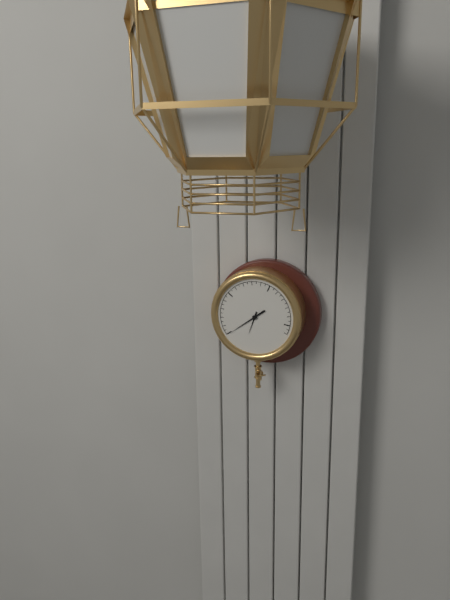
6 h 39 min
